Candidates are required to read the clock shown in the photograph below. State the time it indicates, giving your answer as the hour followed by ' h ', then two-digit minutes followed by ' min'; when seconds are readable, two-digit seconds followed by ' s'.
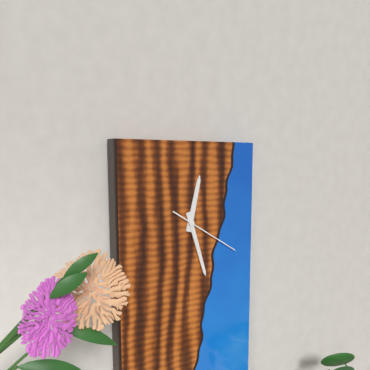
12 h 27 min 20 s
